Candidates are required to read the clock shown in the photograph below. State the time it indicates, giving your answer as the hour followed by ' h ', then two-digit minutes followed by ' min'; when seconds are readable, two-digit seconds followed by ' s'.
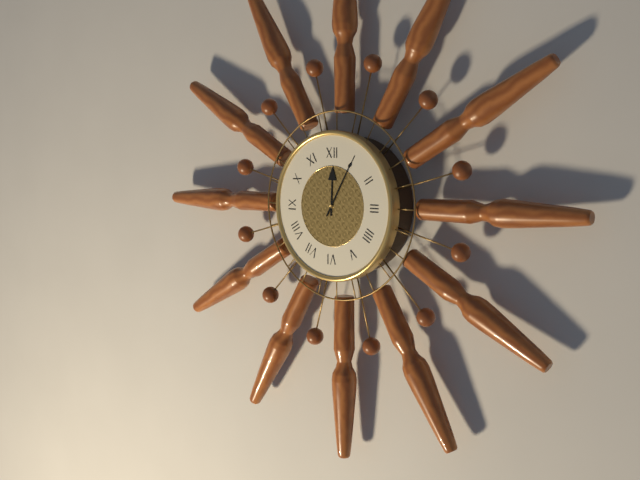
12 h 05 min
